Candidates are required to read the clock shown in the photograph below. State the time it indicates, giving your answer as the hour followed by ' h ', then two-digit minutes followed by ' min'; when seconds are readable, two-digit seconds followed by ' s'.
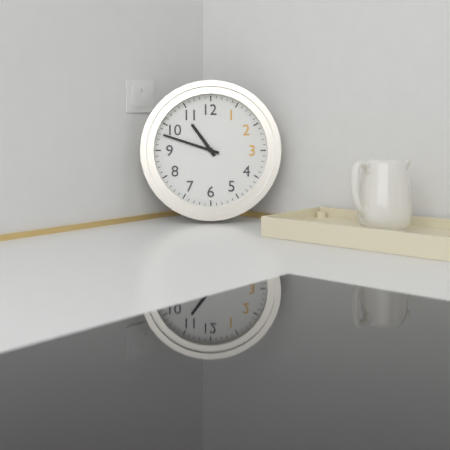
10 h 48 min
